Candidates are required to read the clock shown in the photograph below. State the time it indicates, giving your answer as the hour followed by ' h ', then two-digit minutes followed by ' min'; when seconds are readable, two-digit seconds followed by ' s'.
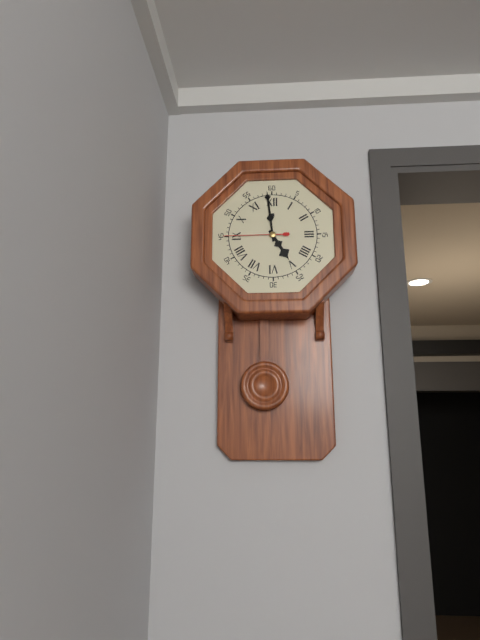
4 h 59 min 45 s
